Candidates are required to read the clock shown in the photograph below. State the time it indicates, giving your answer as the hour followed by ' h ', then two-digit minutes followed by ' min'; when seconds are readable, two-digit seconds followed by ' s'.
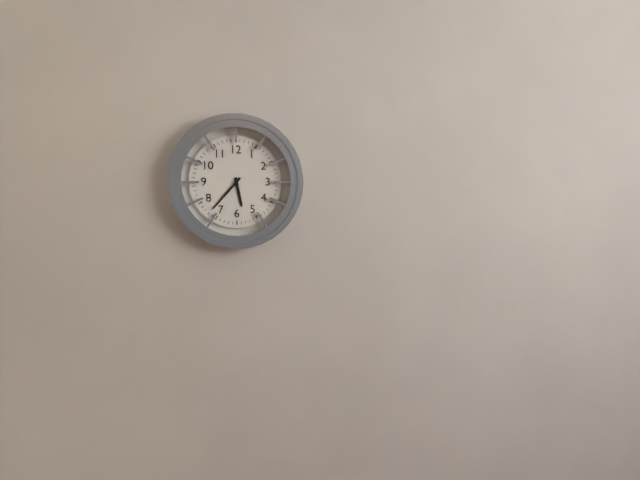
5 h 37 min
